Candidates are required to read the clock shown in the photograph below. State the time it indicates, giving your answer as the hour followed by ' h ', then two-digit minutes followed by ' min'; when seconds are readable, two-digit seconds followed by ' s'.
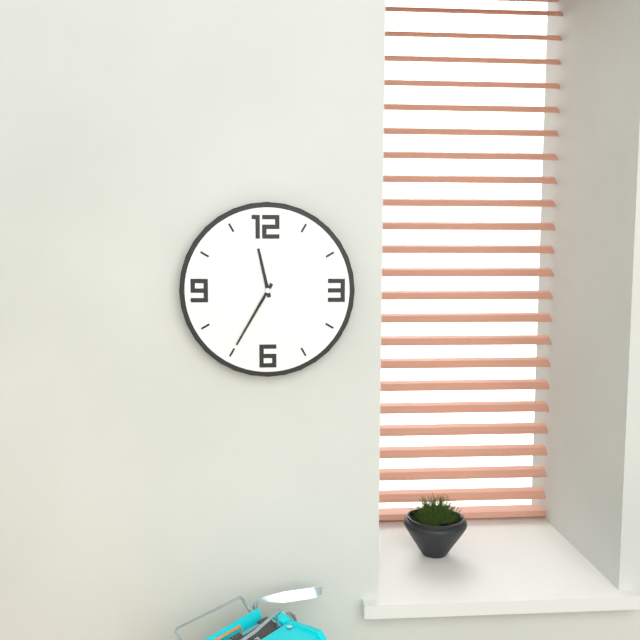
11 h 35 min
